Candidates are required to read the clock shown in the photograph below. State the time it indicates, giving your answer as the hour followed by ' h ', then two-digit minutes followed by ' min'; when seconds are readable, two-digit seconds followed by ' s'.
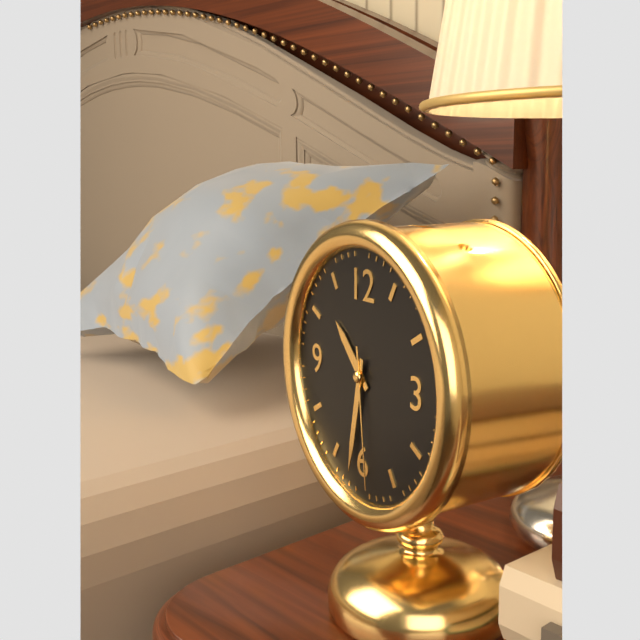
10 h 32 min 29 s
